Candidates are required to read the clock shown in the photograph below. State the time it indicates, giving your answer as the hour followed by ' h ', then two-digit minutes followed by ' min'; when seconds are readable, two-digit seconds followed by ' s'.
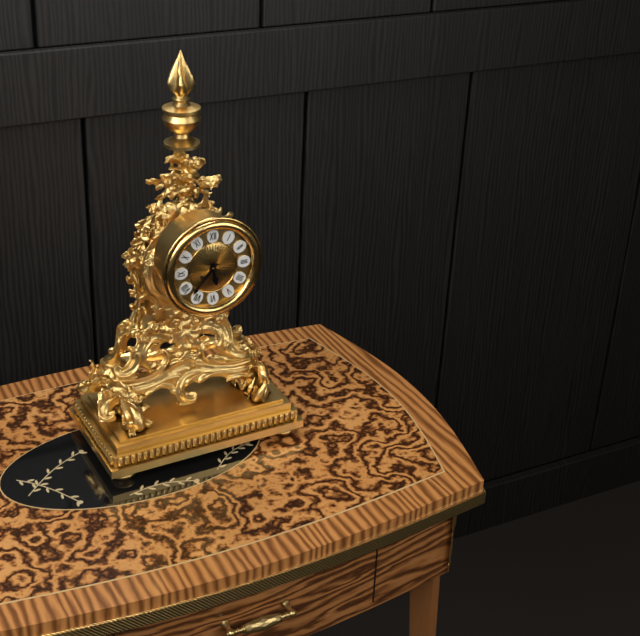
5 h 37 min
